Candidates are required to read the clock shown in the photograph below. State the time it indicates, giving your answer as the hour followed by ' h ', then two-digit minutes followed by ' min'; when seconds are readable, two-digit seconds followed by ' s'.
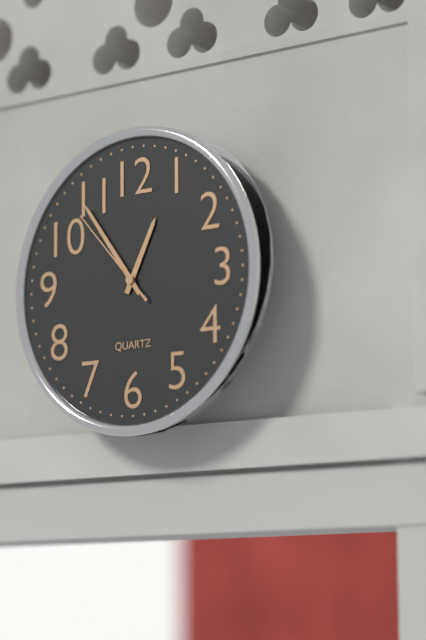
12 h 54 min 53 s
